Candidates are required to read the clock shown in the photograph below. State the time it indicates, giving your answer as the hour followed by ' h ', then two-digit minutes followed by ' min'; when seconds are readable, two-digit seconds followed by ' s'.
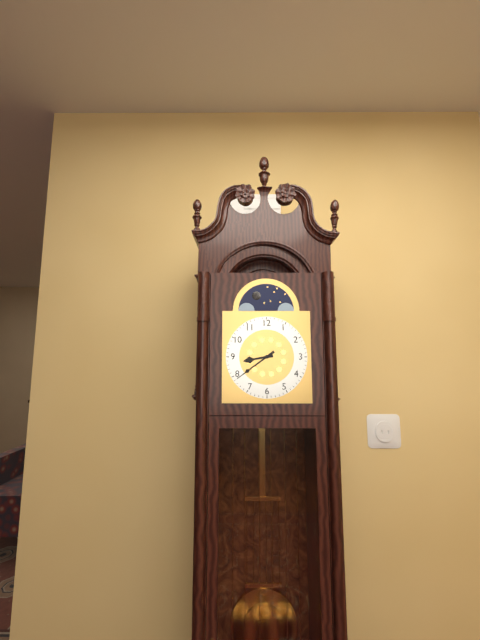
8 h 39 min
